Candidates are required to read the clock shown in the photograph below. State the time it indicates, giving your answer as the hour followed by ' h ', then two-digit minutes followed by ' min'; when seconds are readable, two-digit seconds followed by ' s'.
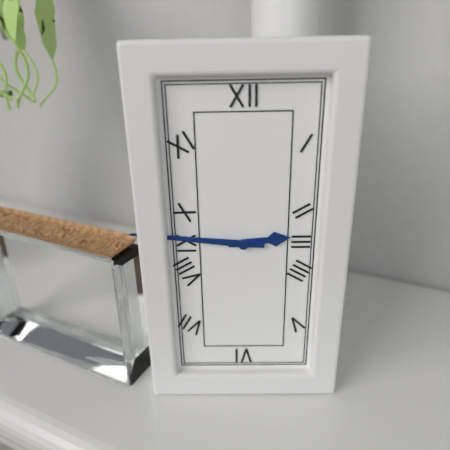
2 h 46 min
